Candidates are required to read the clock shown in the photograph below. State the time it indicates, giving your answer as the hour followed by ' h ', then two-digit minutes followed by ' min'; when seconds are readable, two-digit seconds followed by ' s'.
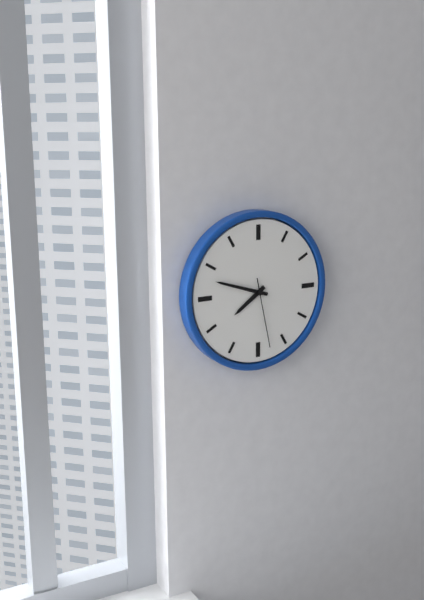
7 h 48 min 28 s
